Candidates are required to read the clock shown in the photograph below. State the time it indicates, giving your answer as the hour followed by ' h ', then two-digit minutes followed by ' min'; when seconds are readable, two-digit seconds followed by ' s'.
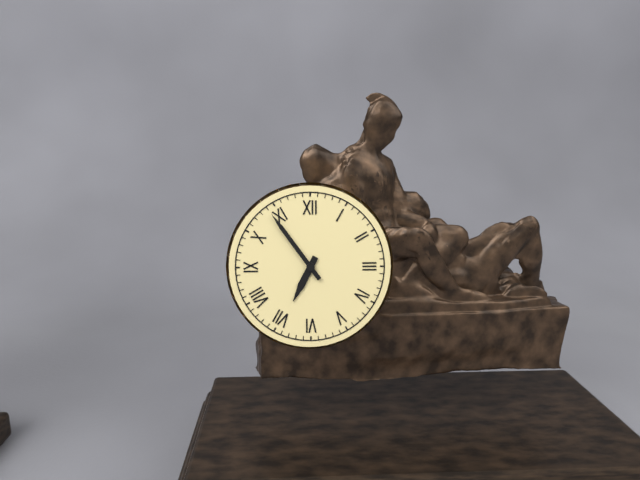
6 h 54 min
